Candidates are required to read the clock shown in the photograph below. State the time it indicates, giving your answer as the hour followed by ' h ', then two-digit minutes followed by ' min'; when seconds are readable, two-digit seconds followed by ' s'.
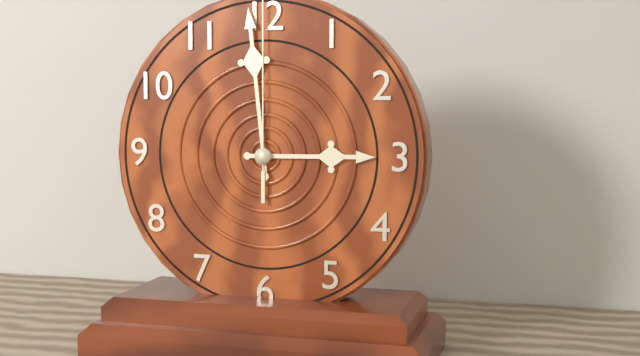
2 h 59 min
